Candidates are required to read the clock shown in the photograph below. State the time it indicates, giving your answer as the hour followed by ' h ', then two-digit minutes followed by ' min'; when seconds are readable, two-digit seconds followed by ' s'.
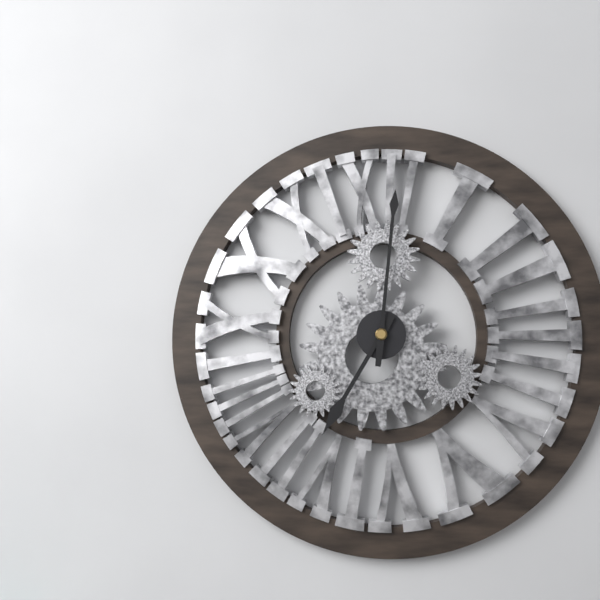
7 h 01 min
